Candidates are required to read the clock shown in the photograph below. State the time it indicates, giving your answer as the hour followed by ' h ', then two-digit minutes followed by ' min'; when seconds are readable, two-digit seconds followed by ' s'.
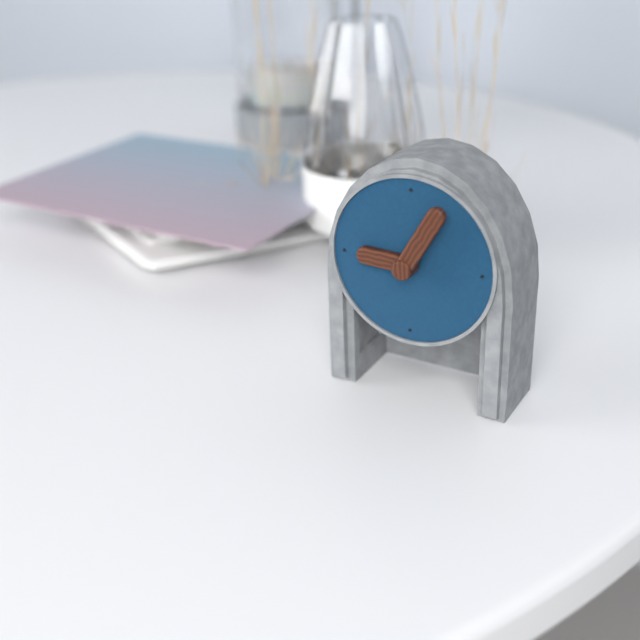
9 h 05 min
